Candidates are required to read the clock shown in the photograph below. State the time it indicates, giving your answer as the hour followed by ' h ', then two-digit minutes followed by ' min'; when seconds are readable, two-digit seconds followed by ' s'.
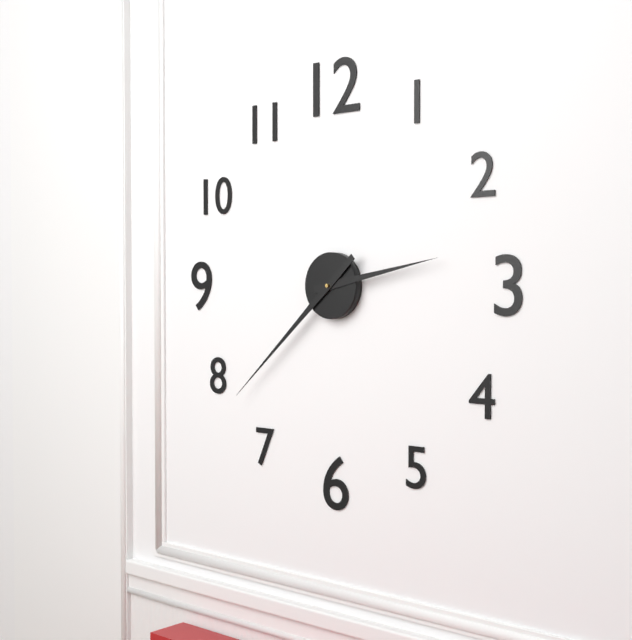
2 h 38 min
